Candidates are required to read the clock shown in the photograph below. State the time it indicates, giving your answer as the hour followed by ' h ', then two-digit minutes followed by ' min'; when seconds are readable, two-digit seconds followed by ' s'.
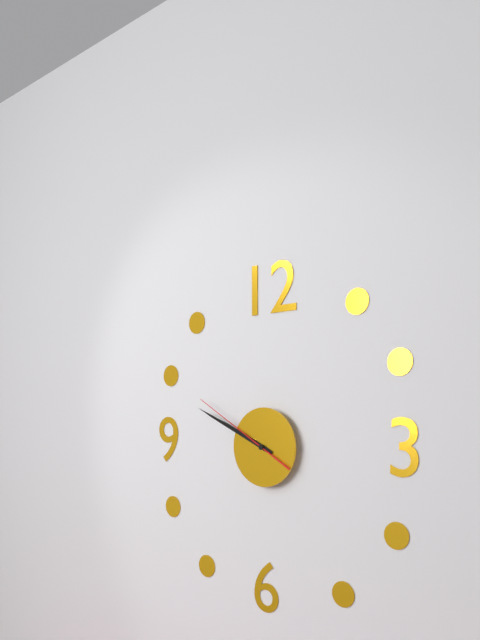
9 h 49 min 50 s
